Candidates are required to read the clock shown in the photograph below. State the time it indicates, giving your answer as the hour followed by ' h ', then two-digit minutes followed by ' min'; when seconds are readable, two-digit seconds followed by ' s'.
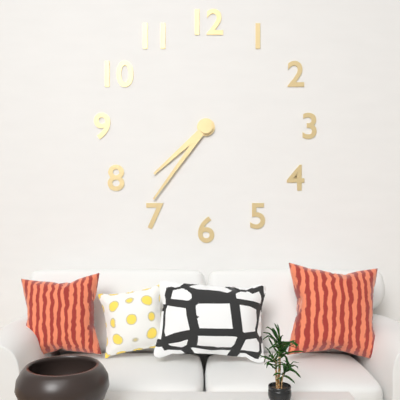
7 h 36 min
